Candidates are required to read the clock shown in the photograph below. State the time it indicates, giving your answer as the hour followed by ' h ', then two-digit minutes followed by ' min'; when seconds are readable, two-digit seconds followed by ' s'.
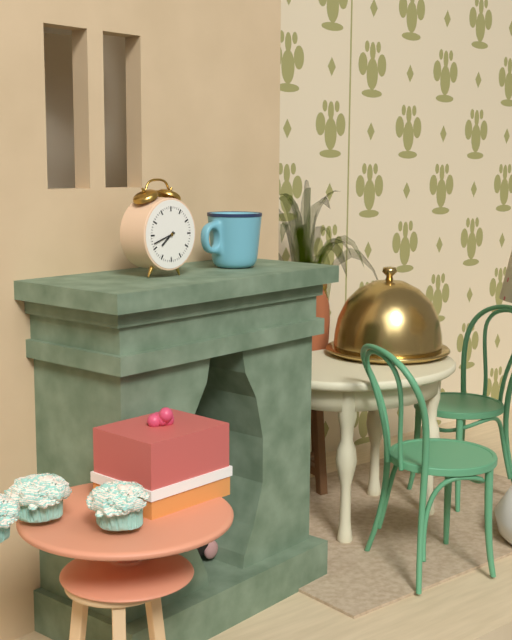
7 h 42 min
